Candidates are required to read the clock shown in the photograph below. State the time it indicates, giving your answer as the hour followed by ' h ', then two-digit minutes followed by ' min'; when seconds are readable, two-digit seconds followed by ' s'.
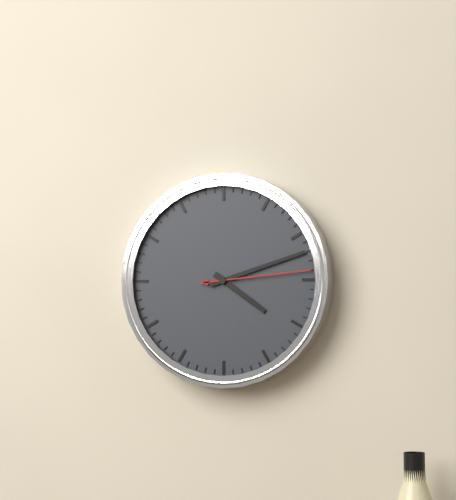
4 h 12 min 14 s
